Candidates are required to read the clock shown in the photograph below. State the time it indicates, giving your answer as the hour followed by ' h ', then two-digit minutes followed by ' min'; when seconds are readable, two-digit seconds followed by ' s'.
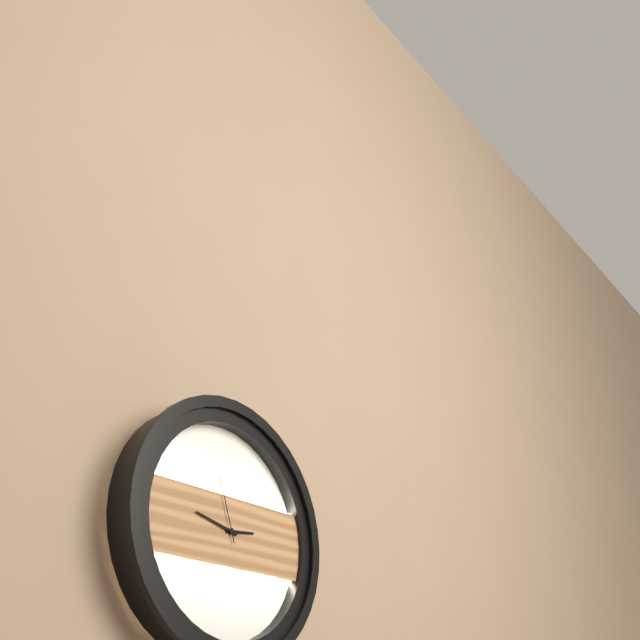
2 h 47 min 57 s
